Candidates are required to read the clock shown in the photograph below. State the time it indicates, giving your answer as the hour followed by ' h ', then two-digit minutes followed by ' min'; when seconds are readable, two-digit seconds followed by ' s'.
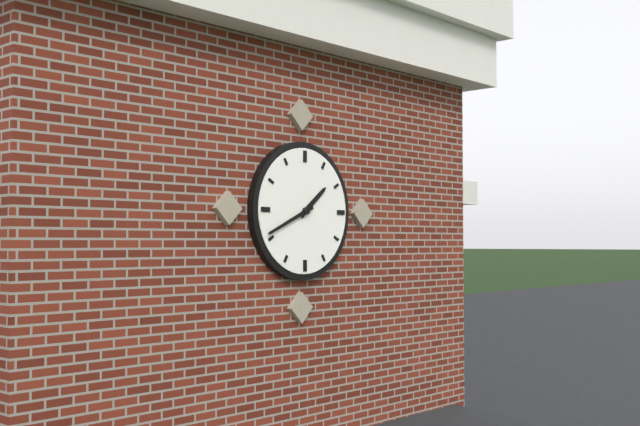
1 h 41 min
